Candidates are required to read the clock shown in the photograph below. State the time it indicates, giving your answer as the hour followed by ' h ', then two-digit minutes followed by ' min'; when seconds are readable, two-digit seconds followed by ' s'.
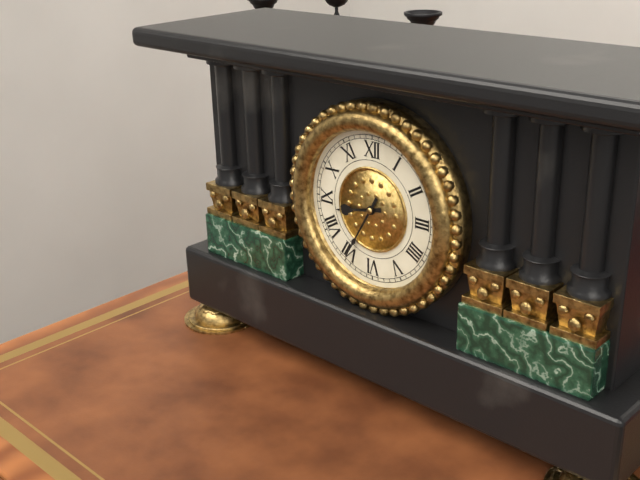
8 h 35 min
